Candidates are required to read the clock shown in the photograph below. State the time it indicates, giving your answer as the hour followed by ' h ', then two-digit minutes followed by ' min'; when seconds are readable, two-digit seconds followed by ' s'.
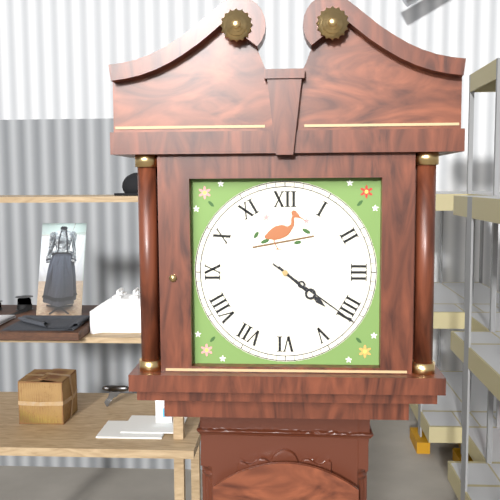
4 h 21 min
